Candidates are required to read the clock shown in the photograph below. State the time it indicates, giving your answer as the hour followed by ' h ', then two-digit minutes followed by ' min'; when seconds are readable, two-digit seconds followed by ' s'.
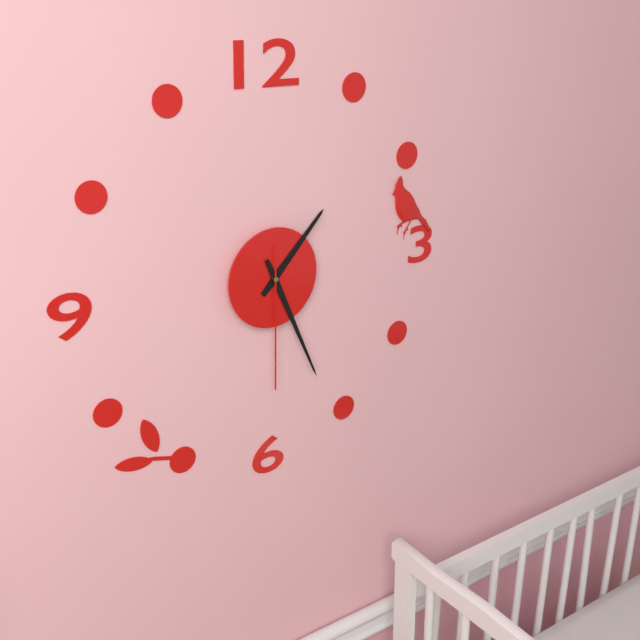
1 h 26 min 30 s
